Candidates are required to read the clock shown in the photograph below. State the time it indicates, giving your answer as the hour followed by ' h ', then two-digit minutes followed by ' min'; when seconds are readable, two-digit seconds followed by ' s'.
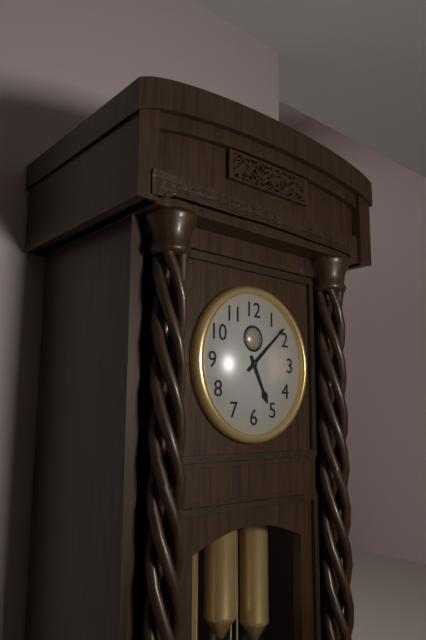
5 h 08 min
